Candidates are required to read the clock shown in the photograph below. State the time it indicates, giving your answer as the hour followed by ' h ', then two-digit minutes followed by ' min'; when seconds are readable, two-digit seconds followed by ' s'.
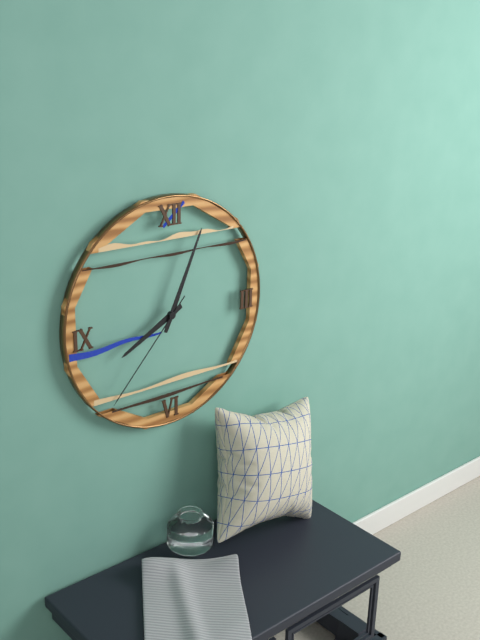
8 h 04 min 37 s
